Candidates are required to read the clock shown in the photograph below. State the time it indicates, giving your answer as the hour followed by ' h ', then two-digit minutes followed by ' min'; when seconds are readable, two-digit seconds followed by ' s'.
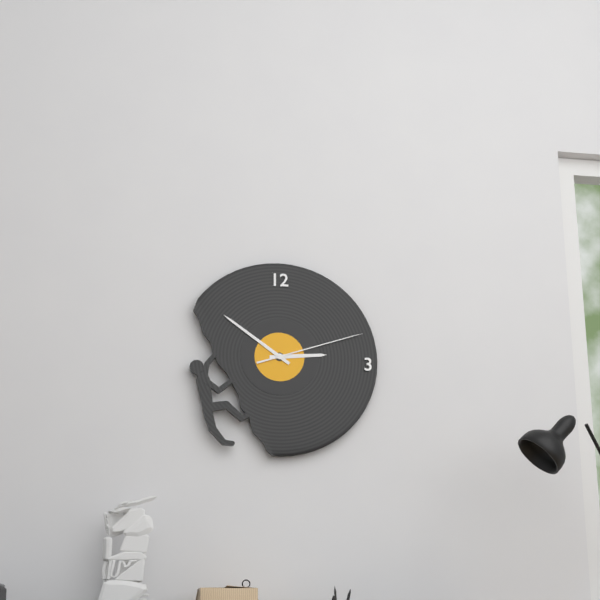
2 h 51 min 12 s
